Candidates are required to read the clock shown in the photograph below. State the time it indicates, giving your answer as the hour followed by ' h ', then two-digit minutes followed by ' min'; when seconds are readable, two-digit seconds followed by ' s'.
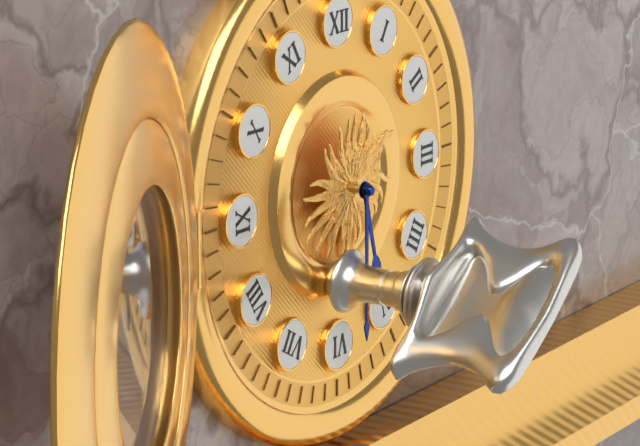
5 h 30 min
